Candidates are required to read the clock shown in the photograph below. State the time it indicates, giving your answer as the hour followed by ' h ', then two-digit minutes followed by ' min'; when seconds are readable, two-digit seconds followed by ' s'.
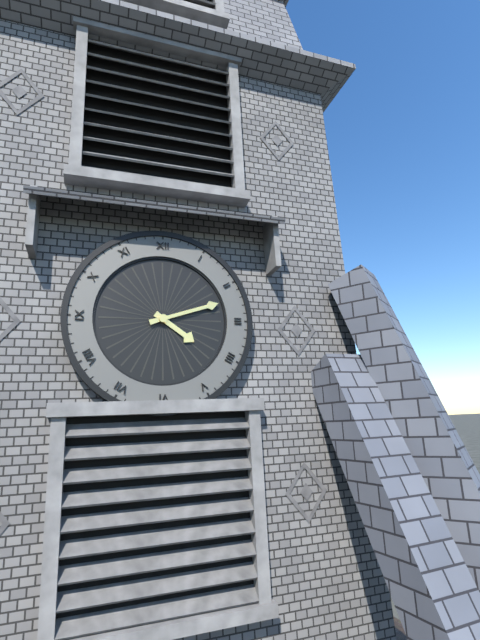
4 h 12 min
